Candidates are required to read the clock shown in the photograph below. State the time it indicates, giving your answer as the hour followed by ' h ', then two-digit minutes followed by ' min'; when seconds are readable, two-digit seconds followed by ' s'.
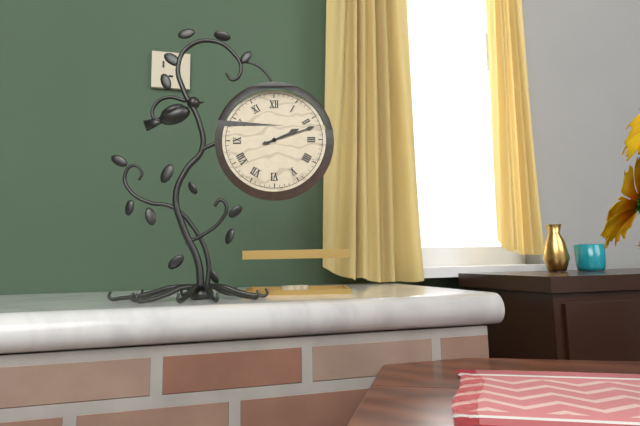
2 h 12 min
